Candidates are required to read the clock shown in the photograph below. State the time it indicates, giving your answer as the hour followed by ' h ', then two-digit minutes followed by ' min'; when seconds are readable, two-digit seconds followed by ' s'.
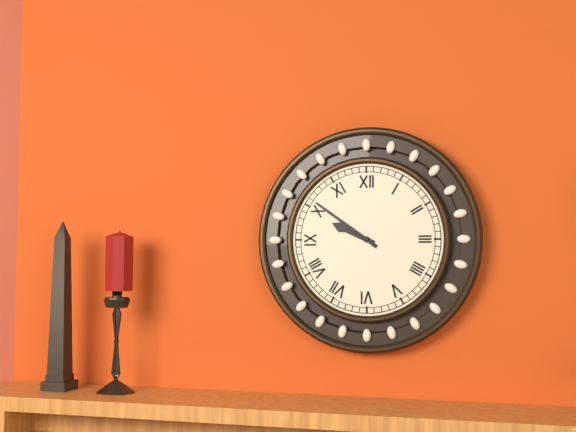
9 h 51 min
